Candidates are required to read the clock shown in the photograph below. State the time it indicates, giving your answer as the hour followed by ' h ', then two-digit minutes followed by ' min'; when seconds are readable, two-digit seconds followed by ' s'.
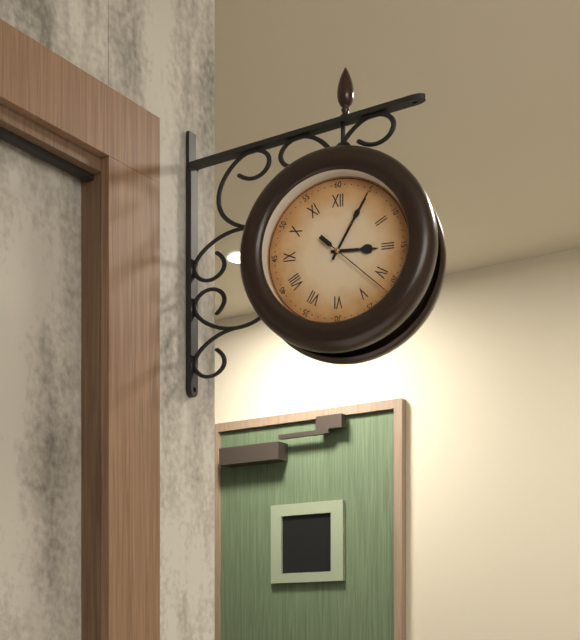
3 h 05 min 22 s
